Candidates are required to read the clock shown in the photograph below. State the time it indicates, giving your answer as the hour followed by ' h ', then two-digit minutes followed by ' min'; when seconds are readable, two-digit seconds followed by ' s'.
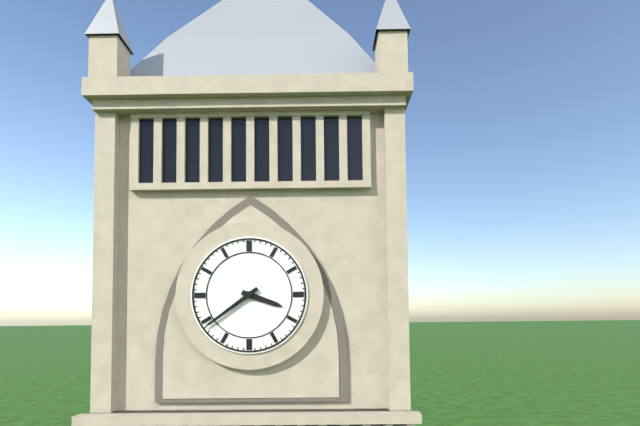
3 h 39 min
